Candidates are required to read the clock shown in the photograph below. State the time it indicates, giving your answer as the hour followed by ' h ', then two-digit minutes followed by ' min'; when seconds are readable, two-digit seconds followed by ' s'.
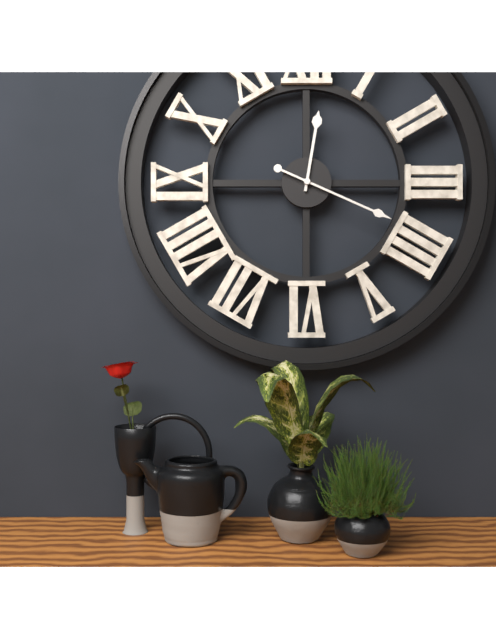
12 h 19 min
